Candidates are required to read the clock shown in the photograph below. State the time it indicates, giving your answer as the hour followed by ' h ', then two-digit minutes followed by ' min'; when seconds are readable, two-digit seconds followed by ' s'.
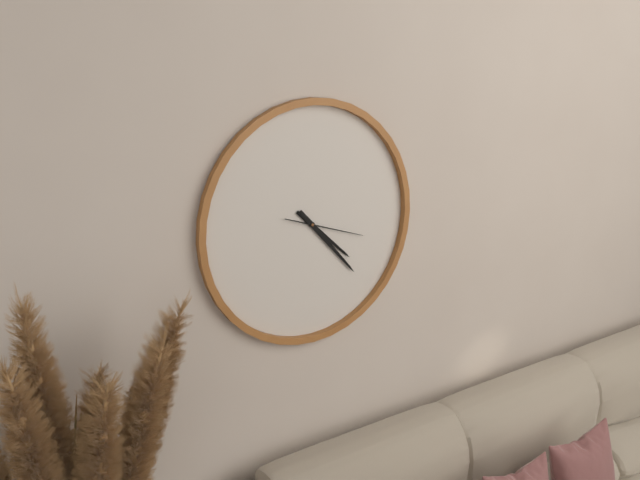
4 h 23 min 18 s
